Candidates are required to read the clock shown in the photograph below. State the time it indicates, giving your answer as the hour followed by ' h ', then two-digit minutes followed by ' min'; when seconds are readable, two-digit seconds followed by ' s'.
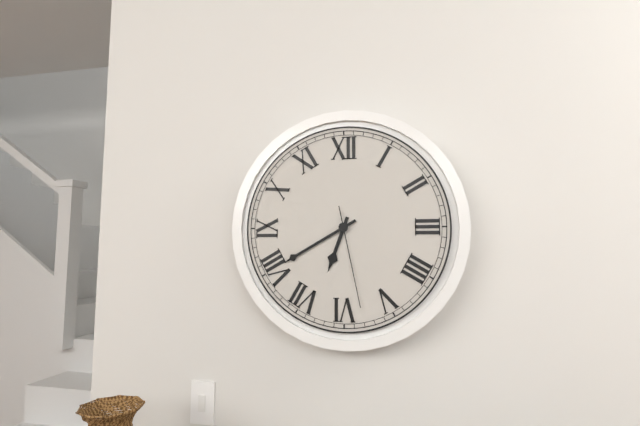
6 h 40 min 28 s
